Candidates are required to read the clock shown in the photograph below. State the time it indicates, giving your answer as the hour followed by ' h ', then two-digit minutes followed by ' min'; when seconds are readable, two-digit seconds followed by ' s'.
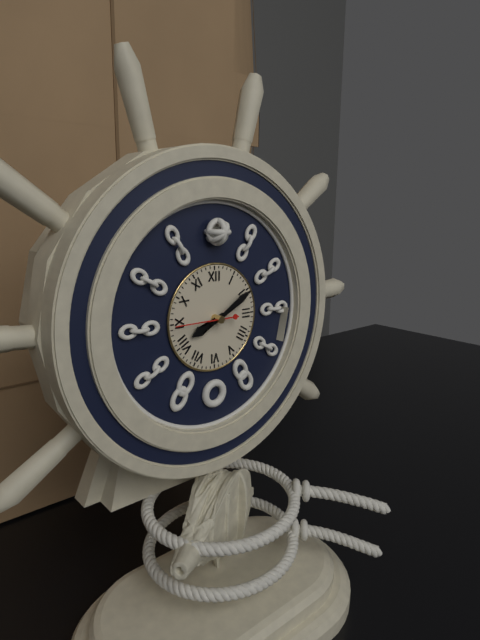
8 h 10 min
